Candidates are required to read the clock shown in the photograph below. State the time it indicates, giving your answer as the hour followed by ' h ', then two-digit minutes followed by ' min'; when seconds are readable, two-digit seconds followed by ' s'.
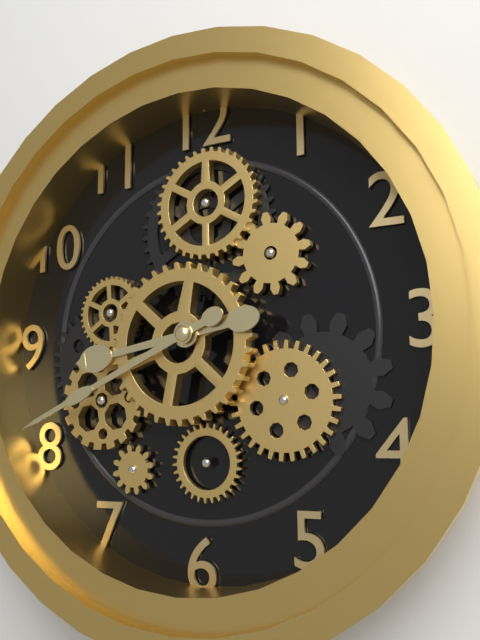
8 h 41 min
